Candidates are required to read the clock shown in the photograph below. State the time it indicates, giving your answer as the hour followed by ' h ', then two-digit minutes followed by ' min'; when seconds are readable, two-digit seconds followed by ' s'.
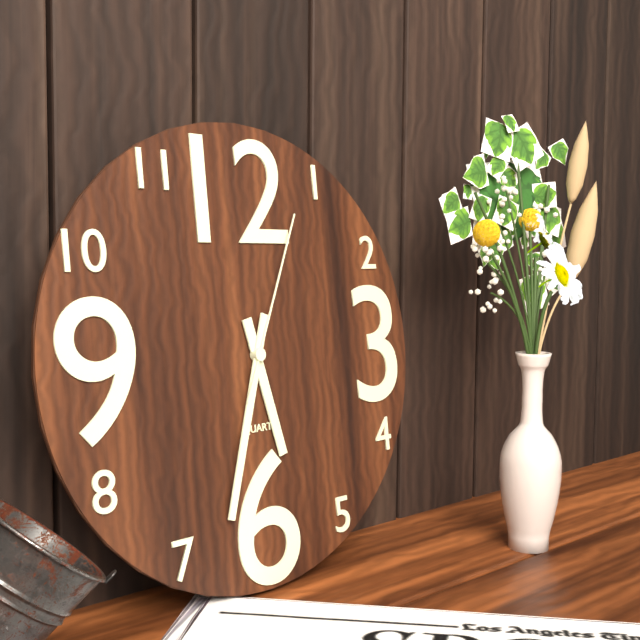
5 h 33 min 04 s
